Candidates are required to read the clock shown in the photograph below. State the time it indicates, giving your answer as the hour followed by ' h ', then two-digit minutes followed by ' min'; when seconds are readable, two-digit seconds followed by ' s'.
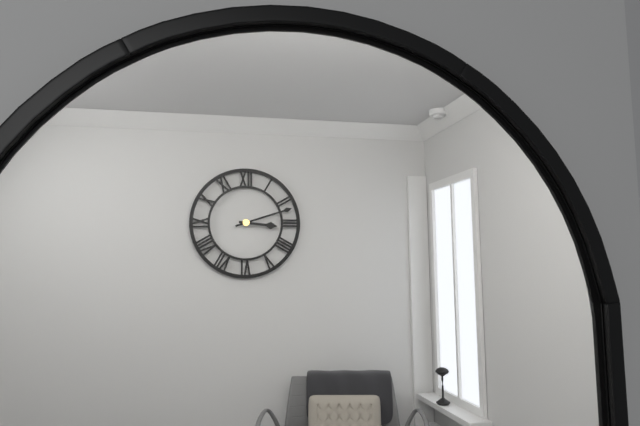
3 h 12 min
